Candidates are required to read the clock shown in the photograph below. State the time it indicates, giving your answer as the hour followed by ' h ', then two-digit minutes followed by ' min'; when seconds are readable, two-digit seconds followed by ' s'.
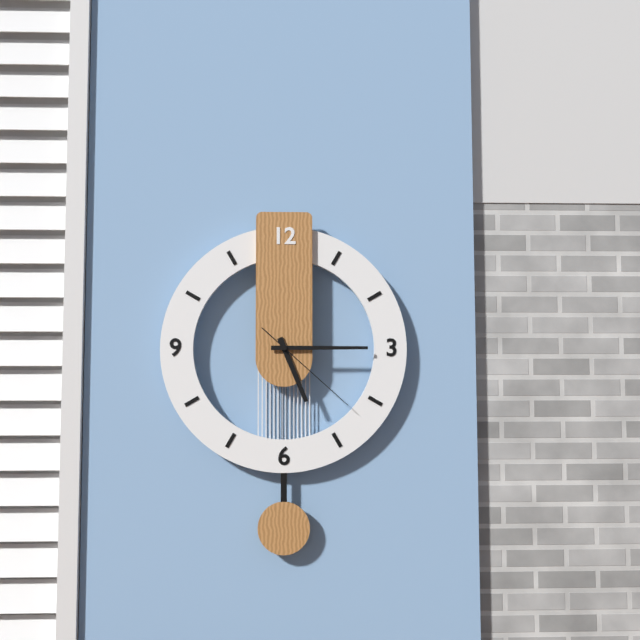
5 h 15 min 22 s
